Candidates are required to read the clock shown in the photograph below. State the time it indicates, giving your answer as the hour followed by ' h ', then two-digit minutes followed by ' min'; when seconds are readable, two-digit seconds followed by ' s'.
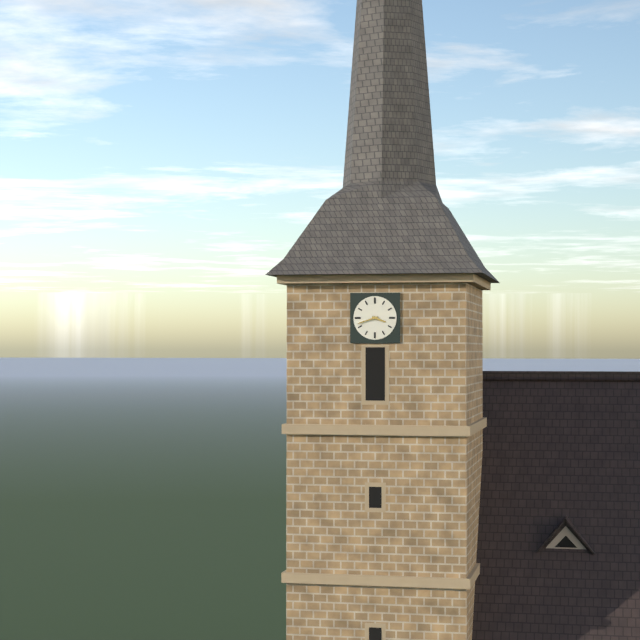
3 h 42 min
